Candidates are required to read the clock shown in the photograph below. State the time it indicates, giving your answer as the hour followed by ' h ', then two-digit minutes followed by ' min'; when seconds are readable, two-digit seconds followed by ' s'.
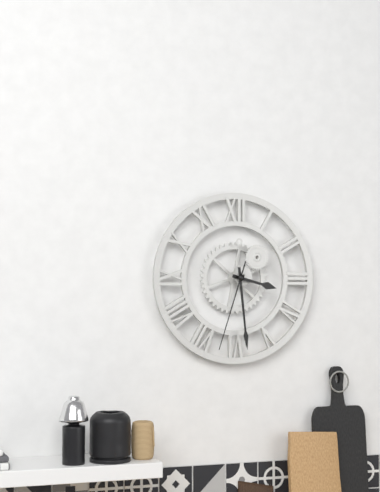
3 h 29 min 33 s
